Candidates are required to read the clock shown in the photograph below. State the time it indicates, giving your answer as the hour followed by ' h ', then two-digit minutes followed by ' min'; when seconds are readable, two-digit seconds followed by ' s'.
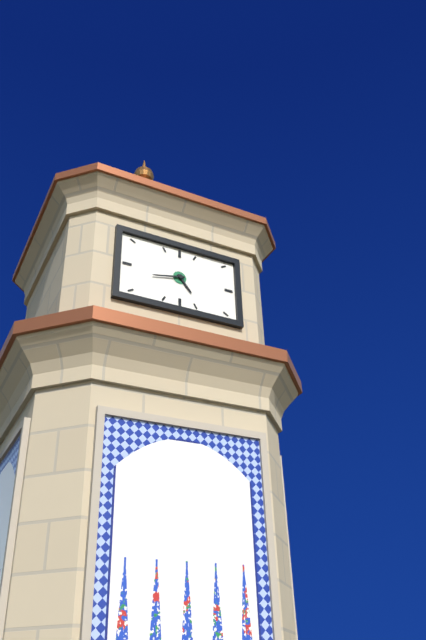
4 h 43 min
